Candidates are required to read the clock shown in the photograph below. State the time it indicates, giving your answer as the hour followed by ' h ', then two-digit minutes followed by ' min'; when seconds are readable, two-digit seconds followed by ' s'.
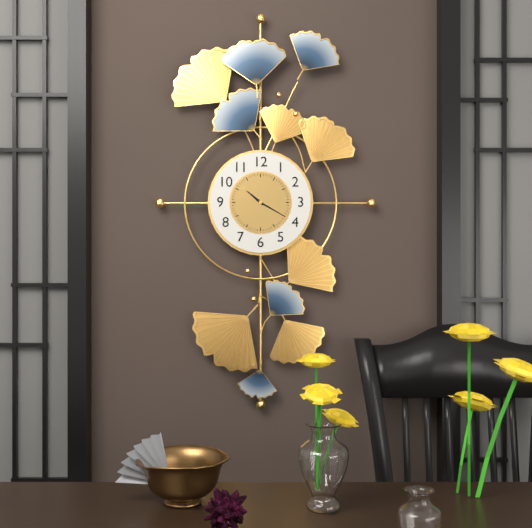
10 h 20 min
